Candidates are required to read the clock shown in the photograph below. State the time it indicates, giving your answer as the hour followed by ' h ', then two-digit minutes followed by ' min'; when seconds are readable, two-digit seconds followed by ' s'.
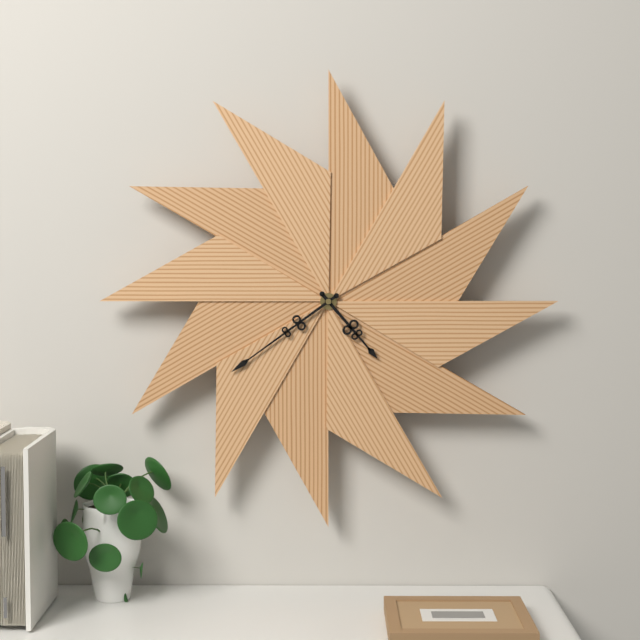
4 h 39 min
